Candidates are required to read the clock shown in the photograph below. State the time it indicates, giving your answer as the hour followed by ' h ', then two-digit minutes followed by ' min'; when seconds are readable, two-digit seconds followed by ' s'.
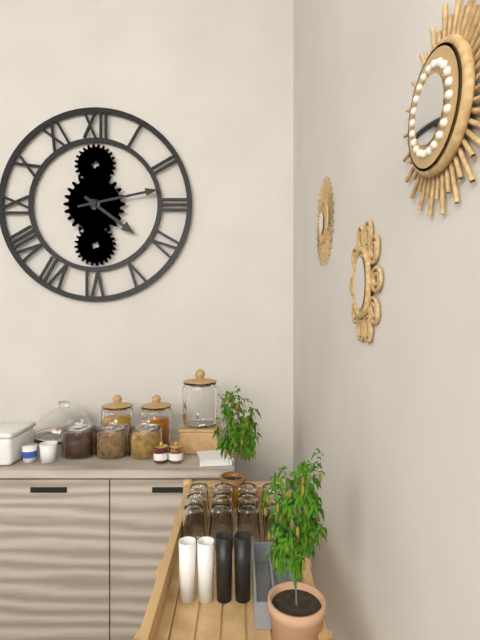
4 h 13 min
